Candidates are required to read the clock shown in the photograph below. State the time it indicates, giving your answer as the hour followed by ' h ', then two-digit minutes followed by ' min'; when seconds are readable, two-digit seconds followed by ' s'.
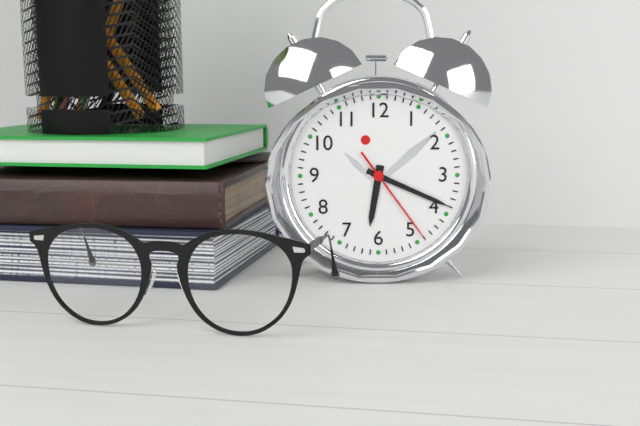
6 h 19 min 24 s
